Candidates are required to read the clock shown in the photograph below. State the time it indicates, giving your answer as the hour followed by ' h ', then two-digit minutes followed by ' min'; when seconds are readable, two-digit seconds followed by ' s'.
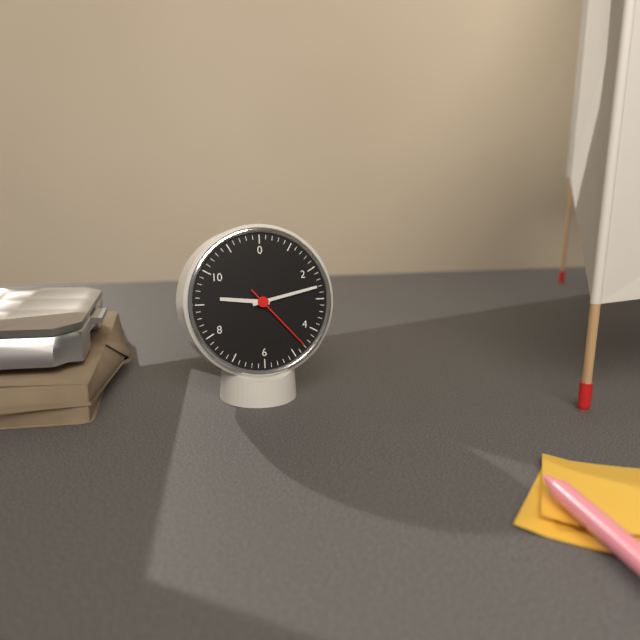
9 h 13 min 23 s
